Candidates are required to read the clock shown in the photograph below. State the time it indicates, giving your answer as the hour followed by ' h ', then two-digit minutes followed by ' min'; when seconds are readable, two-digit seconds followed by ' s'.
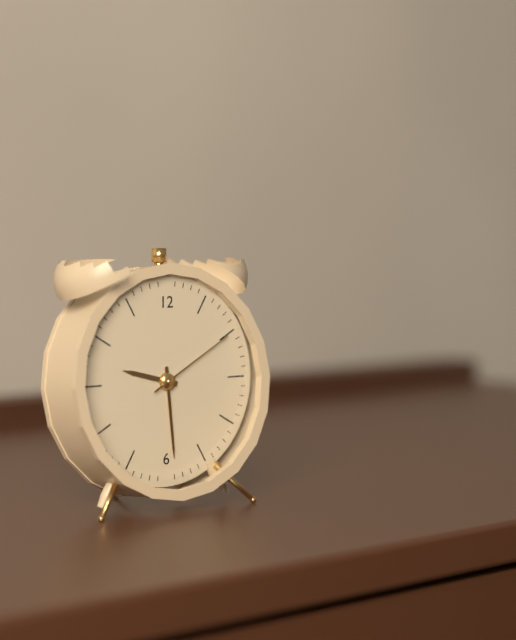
9 h 29 min 10 s
